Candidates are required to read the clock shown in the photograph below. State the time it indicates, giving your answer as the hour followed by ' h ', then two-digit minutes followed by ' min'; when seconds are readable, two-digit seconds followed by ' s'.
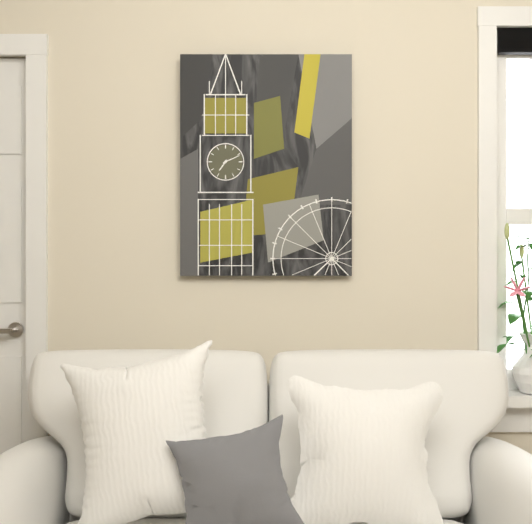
7 h 11 min
